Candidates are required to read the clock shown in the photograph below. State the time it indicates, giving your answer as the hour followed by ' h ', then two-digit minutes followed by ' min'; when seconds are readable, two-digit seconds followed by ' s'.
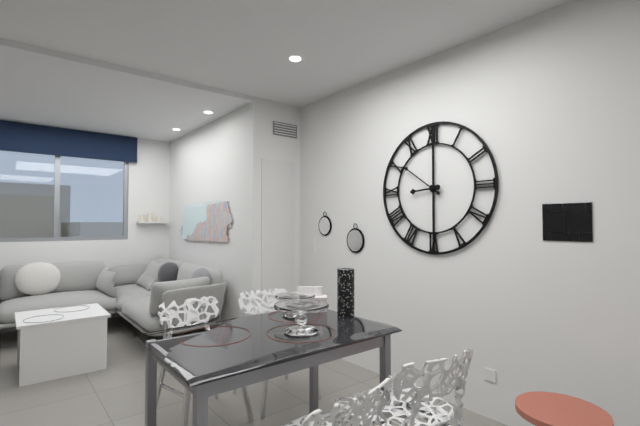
8 h 51 min
